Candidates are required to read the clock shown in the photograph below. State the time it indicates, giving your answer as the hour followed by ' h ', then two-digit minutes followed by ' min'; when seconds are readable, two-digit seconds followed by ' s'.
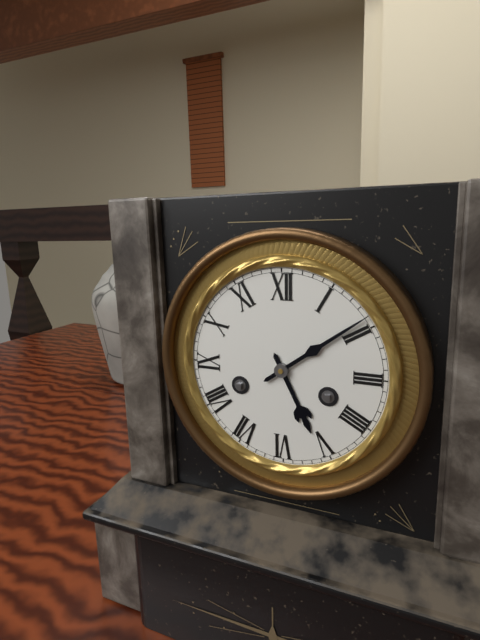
5 h 09 min
